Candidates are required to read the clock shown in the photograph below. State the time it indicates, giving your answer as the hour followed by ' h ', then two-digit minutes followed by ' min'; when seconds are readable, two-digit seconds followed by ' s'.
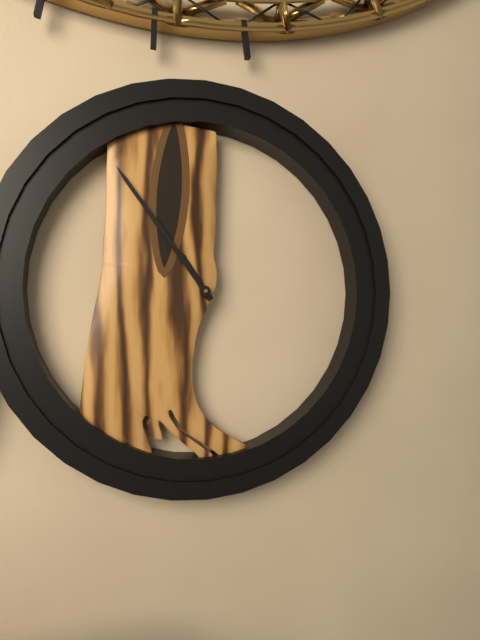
10 h 54 min
